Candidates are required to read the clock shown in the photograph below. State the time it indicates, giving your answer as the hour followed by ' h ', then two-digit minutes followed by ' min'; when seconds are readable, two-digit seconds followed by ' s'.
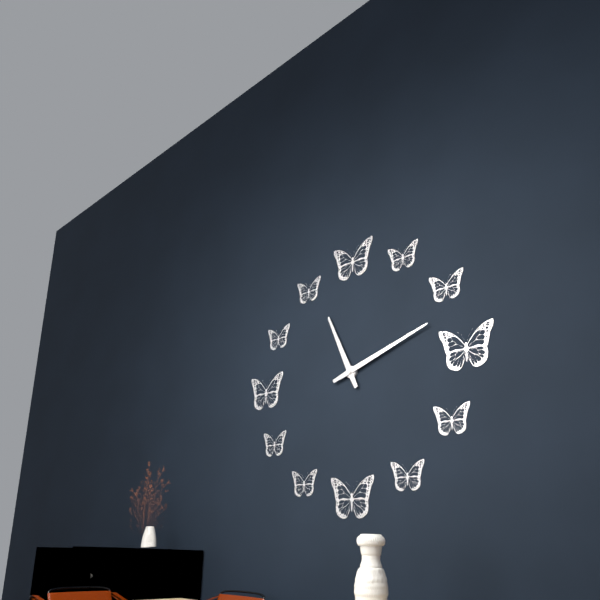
11 h 12 min
